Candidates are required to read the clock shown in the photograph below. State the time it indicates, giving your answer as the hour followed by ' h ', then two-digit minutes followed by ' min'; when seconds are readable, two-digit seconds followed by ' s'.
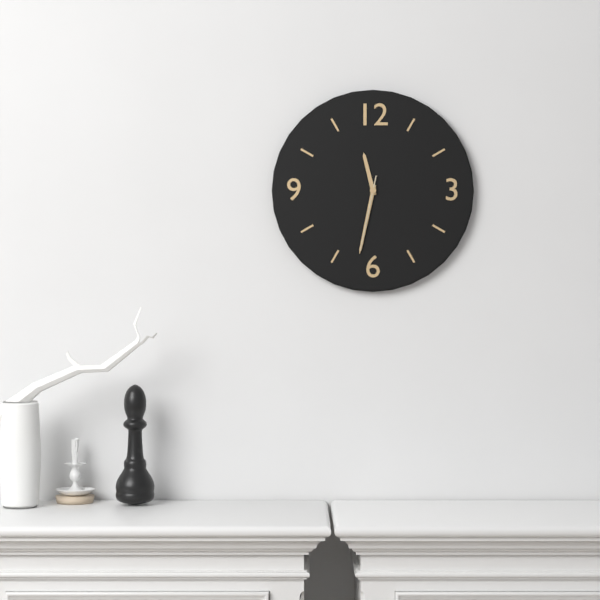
11 h 32 min 32 s
